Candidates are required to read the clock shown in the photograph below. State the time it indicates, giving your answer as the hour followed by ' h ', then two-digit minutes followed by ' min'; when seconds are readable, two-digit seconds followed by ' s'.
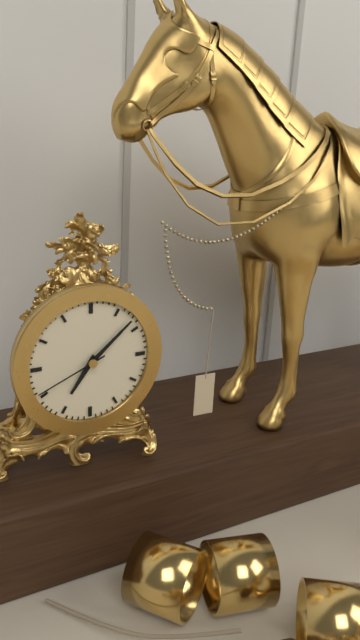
7 h 08 min 41 s
